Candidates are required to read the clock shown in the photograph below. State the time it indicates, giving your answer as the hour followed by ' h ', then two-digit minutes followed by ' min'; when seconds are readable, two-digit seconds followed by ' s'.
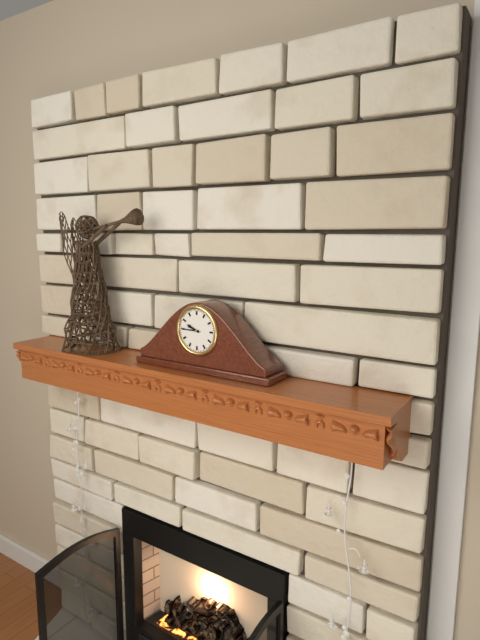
9 h 45 min
